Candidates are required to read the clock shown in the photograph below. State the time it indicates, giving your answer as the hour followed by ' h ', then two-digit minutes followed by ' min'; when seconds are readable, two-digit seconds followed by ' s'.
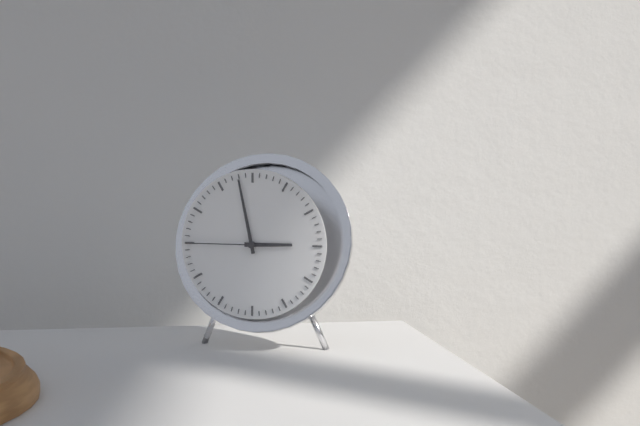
2 h 58 min 45 s
